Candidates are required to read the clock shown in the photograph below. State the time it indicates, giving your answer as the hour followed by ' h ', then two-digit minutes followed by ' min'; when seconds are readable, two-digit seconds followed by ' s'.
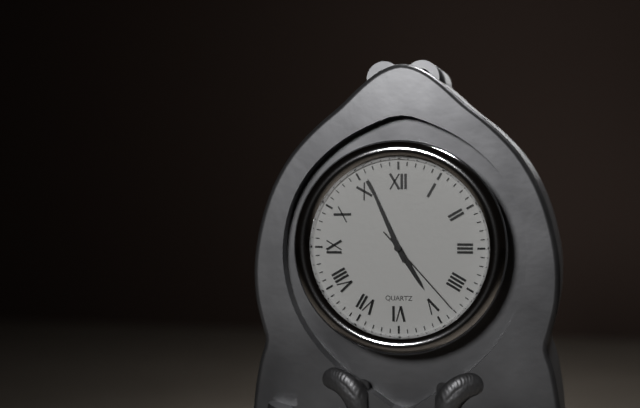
4 h 56 min 23 s
